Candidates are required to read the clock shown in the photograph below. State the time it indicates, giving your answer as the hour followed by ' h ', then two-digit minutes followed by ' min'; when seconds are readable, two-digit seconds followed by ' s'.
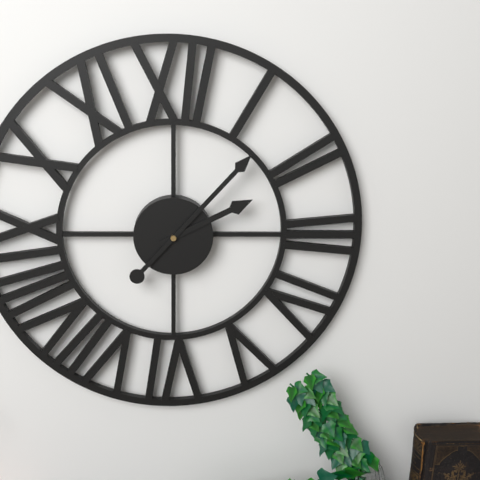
2 h 07 min
